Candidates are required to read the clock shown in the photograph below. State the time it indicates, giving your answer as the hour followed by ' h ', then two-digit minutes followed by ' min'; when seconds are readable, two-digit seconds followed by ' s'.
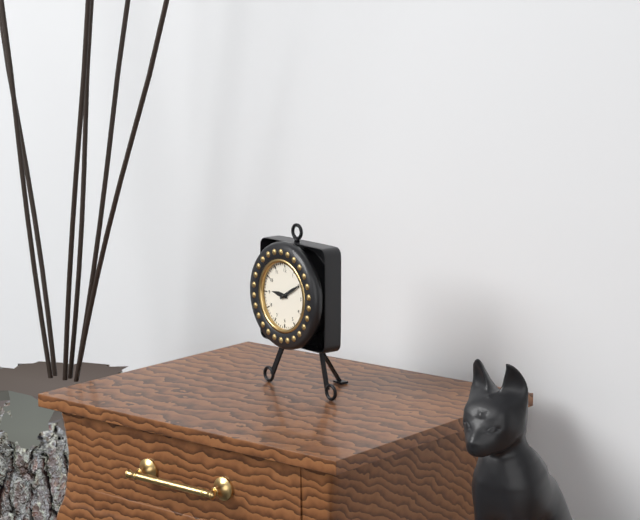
9 h 10 min
